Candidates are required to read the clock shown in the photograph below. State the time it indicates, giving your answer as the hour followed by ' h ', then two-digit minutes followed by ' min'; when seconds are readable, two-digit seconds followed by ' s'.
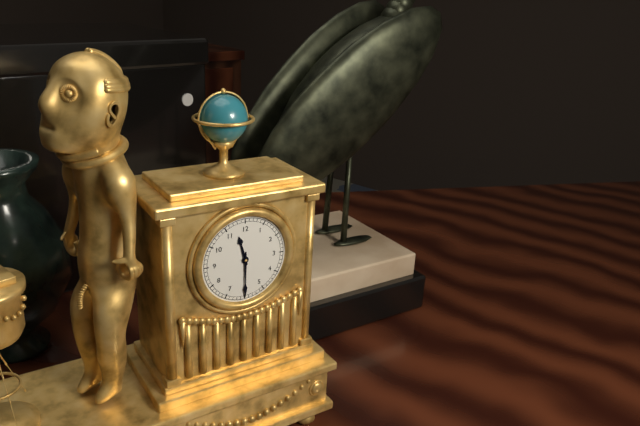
11 h 30 min
